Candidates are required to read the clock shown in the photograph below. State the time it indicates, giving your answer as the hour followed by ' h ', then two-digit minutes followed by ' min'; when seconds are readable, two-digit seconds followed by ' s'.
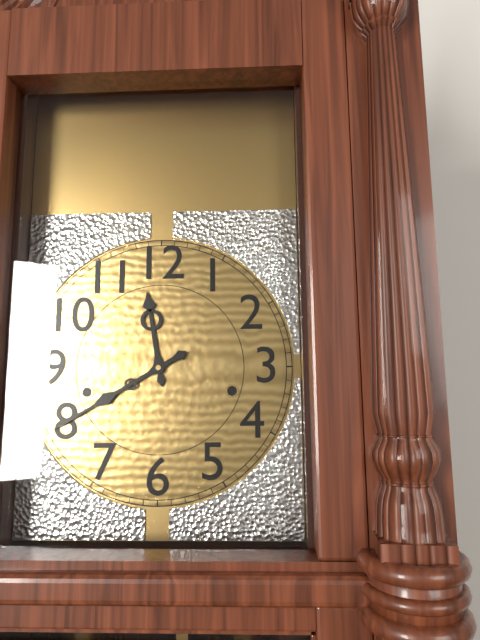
11 h 40 min
